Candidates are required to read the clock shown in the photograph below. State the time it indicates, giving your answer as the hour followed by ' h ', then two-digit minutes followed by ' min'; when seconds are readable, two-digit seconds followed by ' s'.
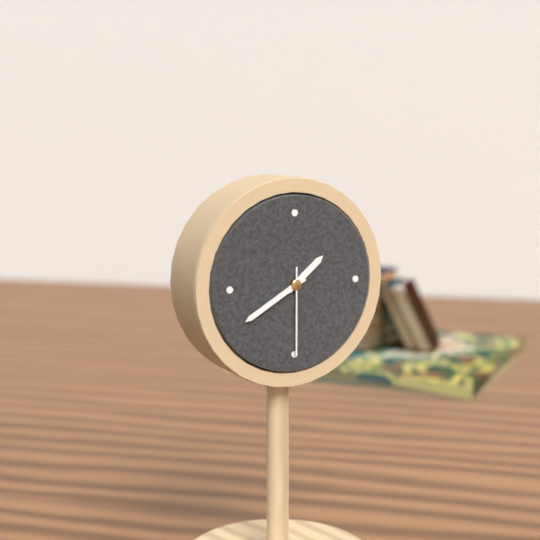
1 h 40 min 30 s
